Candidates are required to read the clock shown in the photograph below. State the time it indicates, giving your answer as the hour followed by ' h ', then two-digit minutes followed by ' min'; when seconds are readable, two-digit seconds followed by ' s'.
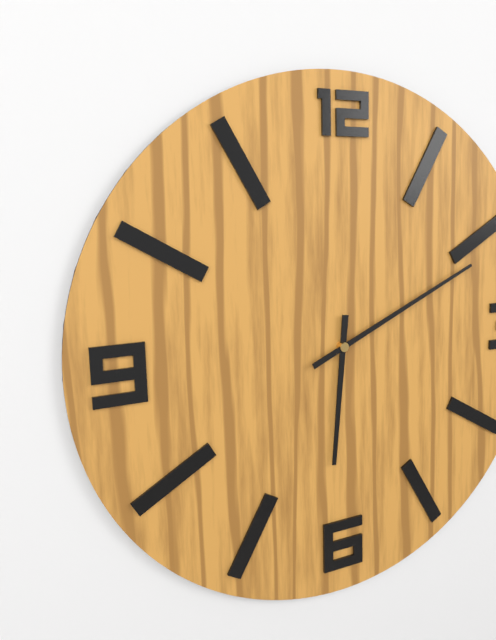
6 h 11 min
